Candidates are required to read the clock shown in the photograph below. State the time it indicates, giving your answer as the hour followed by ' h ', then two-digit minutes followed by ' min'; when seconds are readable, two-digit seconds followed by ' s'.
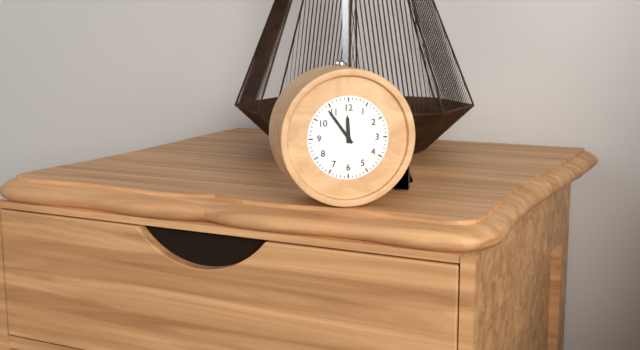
11 h 54 min
